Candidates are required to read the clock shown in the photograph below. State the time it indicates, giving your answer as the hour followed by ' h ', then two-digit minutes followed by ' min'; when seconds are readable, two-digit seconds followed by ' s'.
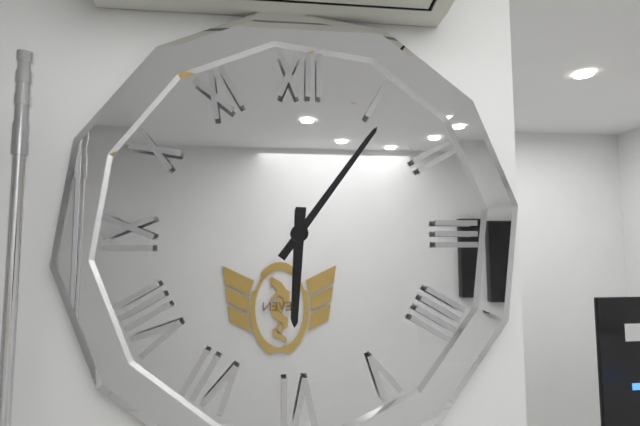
6 h 06 min
